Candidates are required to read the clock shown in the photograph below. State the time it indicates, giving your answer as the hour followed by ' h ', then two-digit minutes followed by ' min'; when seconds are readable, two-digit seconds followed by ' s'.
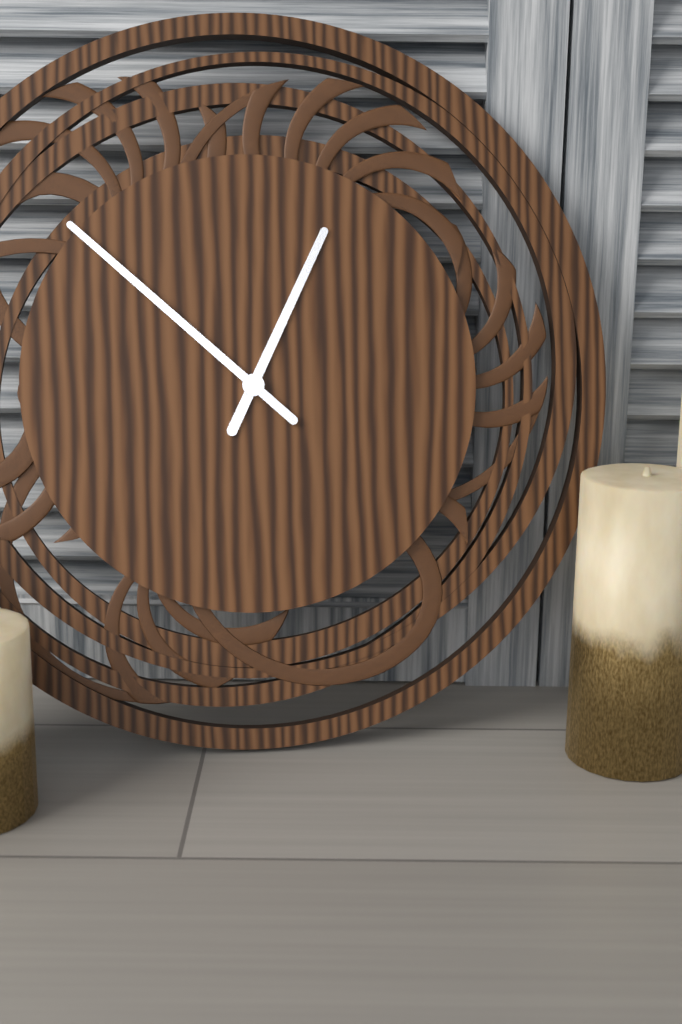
12 h 52 min
